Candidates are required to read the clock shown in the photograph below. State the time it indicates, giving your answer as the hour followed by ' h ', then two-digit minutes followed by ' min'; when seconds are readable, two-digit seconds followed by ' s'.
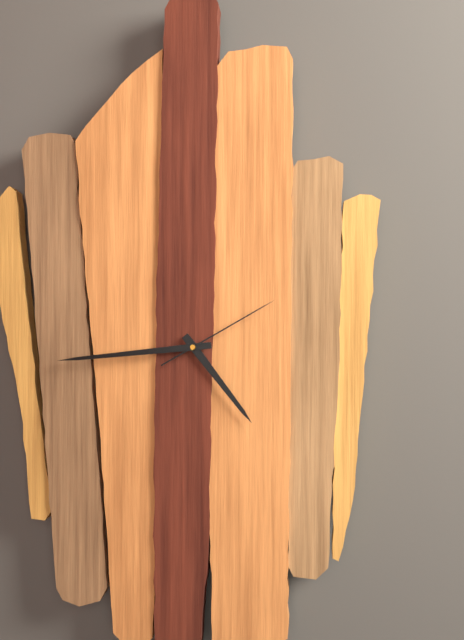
4 h 44 min 10 s
